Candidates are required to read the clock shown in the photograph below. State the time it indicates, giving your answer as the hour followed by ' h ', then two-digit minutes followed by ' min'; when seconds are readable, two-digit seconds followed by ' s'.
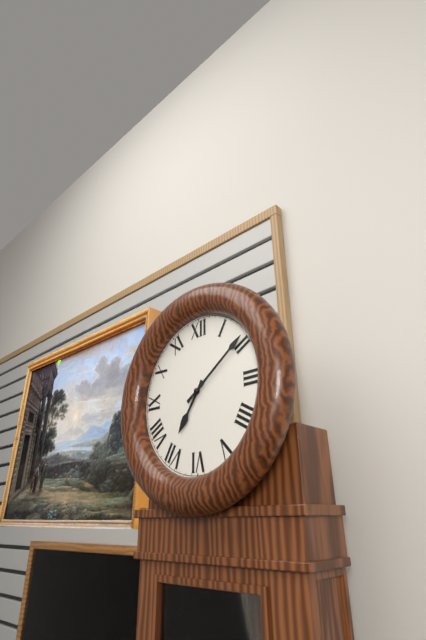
7 h 09 min
